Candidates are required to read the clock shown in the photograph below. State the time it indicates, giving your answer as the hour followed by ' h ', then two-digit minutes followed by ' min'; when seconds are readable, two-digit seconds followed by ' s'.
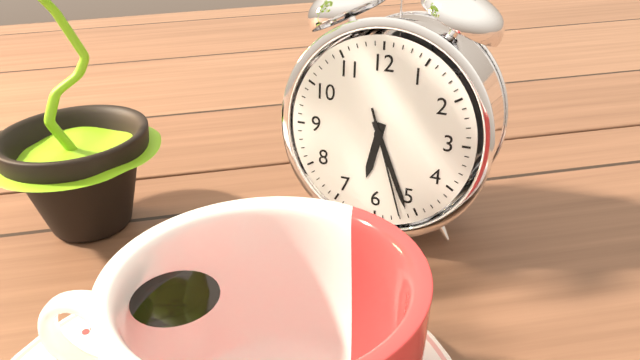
6 h 26 min 27 s
